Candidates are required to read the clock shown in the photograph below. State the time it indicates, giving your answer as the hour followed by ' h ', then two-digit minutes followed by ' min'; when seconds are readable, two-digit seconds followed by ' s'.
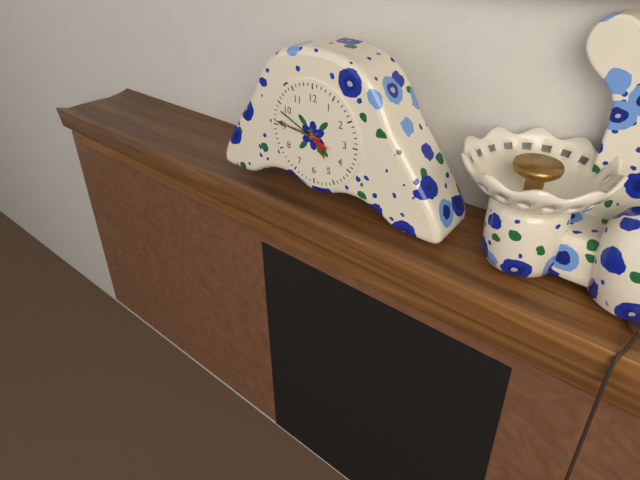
4 h 46 min 49 s
